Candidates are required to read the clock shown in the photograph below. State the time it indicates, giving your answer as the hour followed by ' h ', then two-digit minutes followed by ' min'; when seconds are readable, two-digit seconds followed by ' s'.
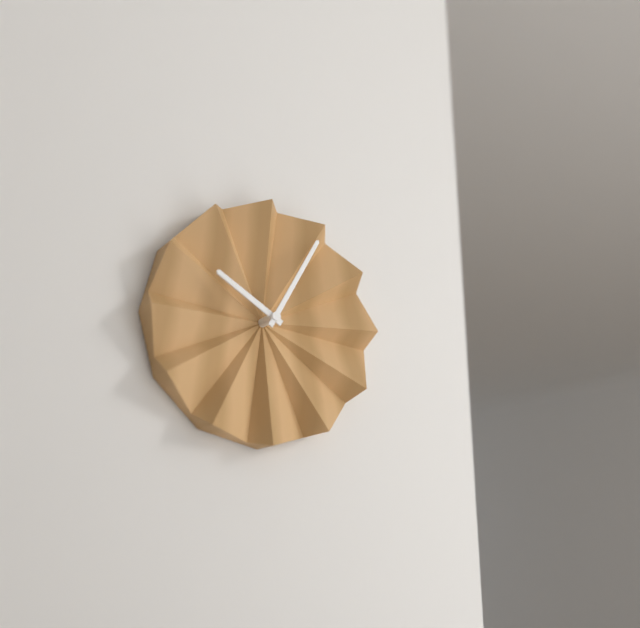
10 h 05 min
